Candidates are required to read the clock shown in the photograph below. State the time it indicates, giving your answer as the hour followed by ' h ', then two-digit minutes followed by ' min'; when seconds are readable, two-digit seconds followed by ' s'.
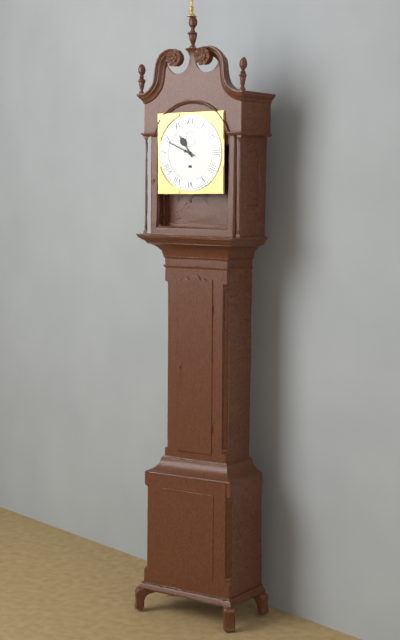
10 h 49 min
